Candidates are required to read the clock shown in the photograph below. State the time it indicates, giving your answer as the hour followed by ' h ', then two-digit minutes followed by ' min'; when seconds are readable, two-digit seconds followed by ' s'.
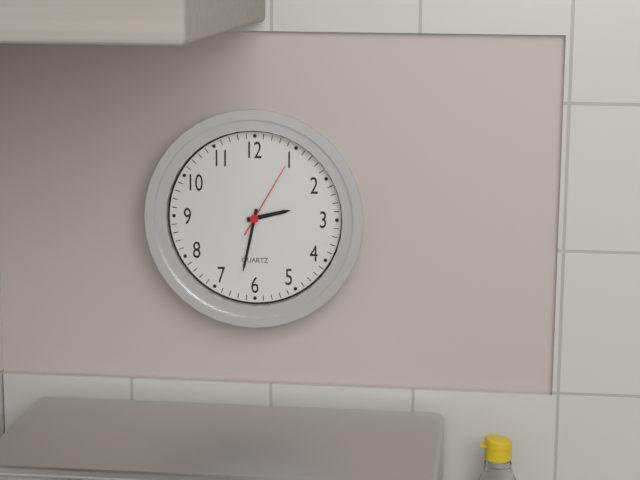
2 h 32 min 05 s
